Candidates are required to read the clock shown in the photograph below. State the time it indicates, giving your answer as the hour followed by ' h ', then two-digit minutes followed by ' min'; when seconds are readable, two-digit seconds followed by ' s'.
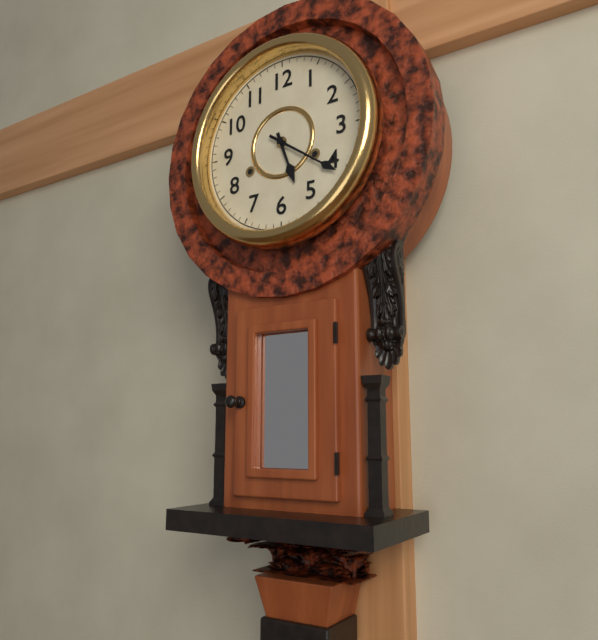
5 h 21 min
